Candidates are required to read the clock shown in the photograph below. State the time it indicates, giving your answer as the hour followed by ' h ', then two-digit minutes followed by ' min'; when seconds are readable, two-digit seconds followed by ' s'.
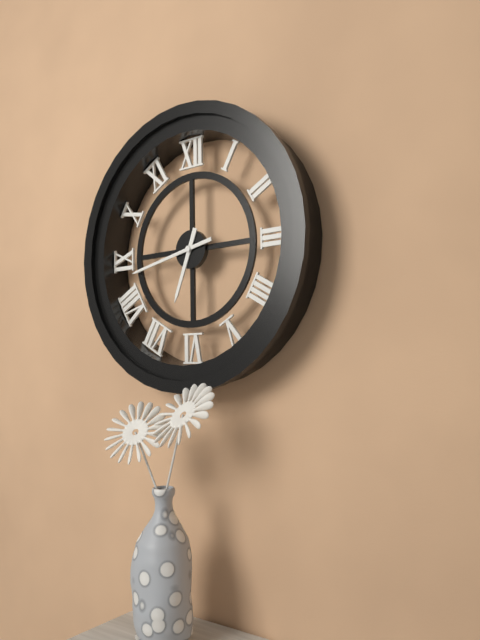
6 h 43 min
